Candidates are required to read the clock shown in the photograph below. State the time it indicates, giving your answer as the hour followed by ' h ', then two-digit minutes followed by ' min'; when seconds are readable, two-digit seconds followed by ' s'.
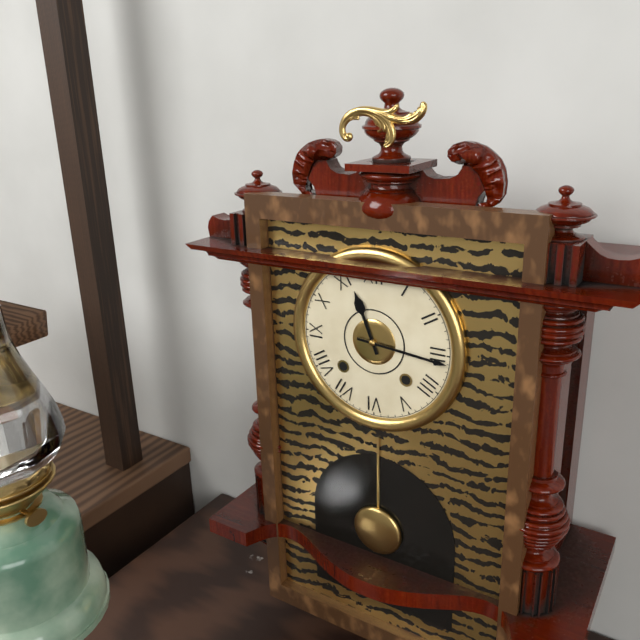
11 h 16 min
